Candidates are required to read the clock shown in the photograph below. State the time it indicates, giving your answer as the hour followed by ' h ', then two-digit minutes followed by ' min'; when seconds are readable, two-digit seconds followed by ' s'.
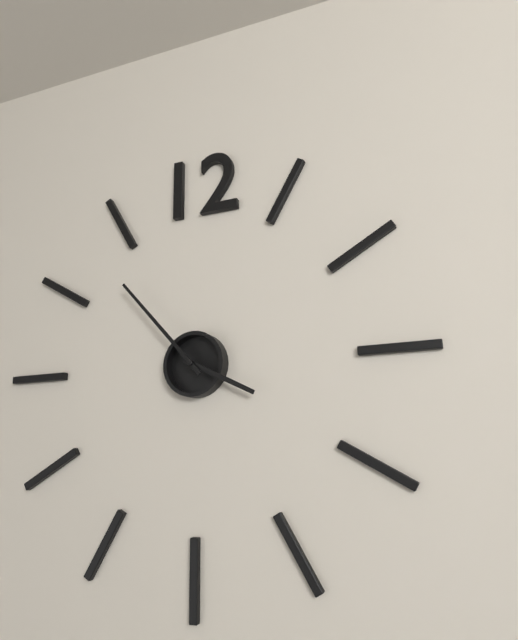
3 h 53 min
